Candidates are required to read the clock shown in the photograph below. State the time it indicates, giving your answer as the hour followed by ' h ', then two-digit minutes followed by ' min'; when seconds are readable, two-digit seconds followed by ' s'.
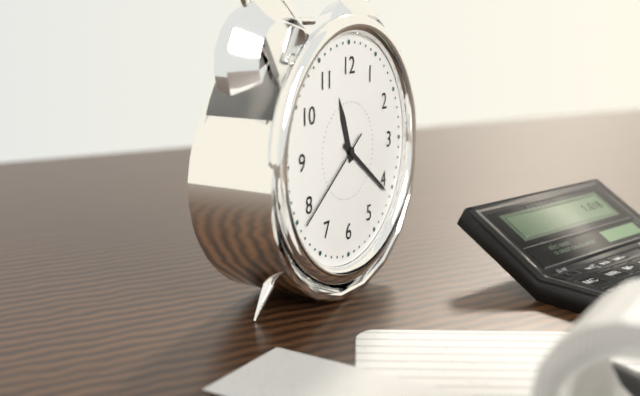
11 h 21 min 39 s
